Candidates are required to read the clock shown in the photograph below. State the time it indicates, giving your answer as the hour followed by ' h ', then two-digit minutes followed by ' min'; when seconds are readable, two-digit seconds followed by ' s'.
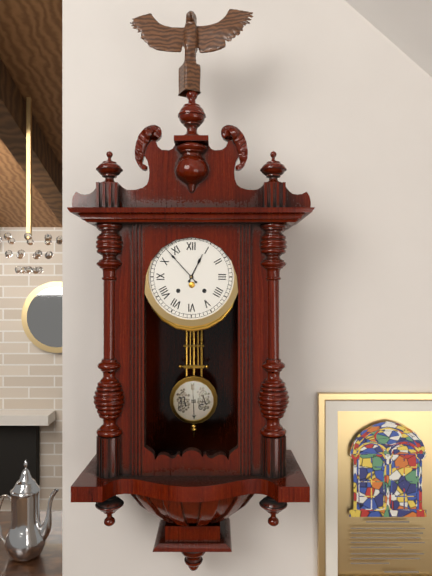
12 h 53 min
